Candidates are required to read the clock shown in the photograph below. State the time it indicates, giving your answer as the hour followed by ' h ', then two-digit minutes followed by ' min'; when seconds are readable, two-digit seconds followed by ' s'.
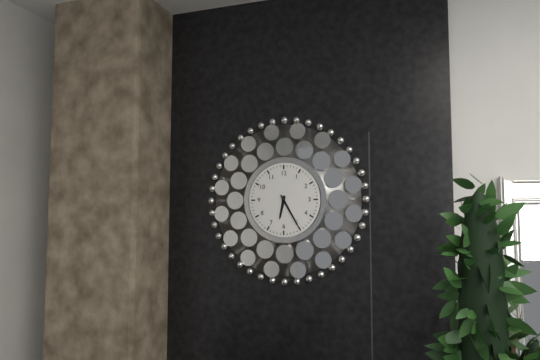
6 h 25 min
